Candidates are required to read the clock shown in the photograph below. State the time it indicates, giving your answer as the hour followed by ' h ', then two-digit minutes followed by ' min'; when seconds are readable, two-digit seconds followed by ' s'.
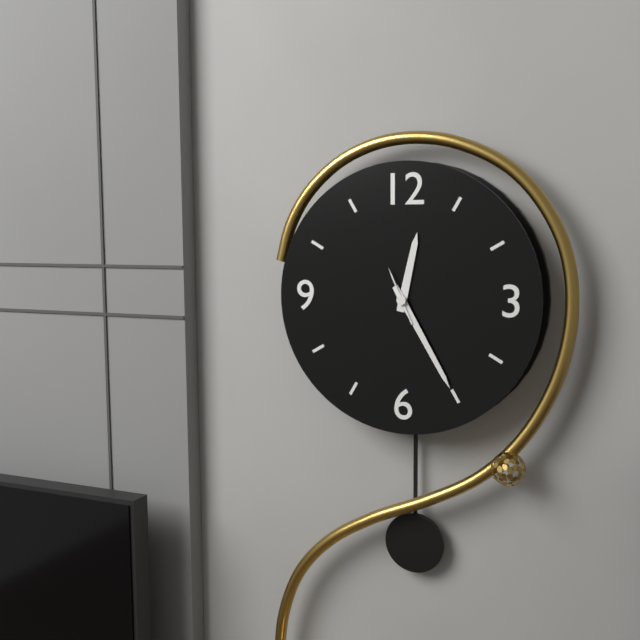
12 h 25 min
